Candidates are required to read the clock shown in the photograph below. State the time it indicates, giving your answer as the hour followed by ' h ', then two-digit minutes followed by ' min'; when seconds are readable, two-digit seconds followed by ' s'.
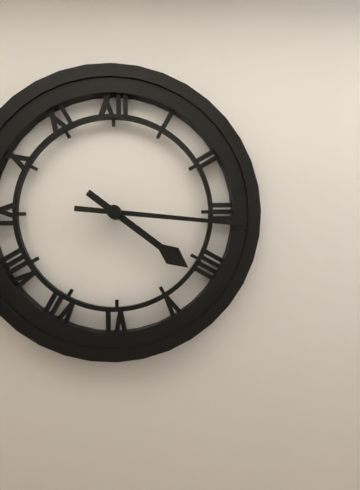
4 h 16 min
